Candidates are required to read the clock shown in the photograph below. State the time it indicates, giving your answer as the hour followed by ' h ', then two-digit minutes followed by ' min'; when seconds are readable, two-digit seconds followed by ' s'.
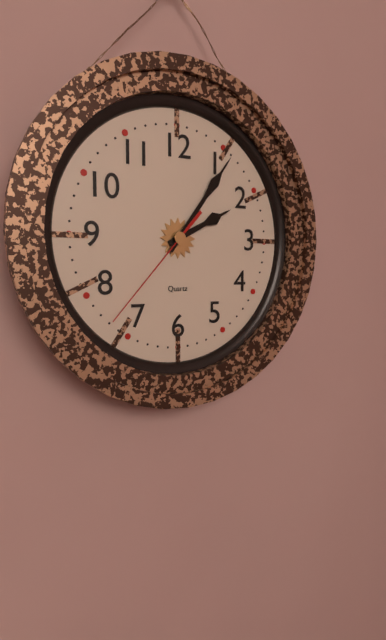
2 h 06 min 37 s
